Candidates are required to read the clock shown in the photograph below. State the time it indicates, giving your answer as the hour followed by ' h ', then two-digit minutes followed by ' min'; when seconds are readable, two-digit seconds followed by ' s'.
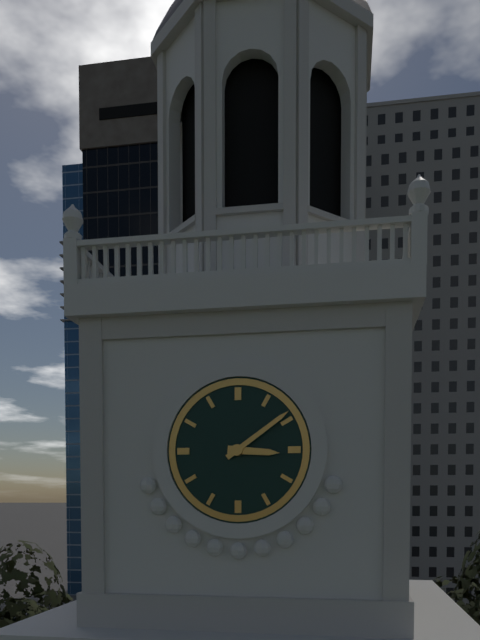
3 h 09 min
